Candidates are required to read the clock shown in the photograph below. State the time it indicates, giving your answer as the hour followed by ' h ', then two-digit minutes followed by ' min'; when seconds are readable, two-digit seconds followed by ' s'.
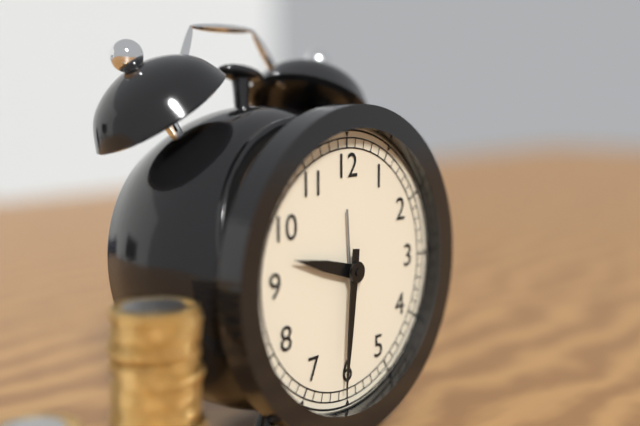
9 h 31 min
